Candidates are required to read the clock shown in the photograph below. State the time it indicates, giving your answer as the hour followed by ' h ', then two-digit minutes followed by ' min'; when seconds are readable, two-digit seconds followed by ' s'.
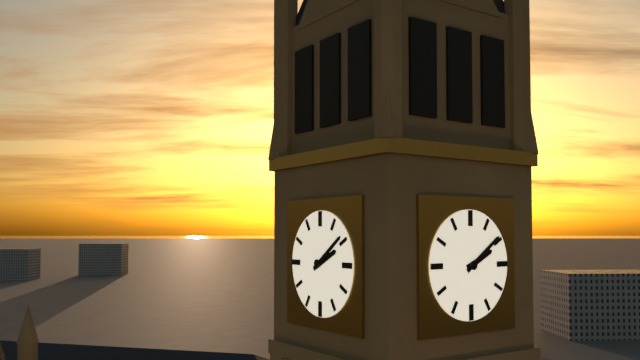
2 h 09 min
